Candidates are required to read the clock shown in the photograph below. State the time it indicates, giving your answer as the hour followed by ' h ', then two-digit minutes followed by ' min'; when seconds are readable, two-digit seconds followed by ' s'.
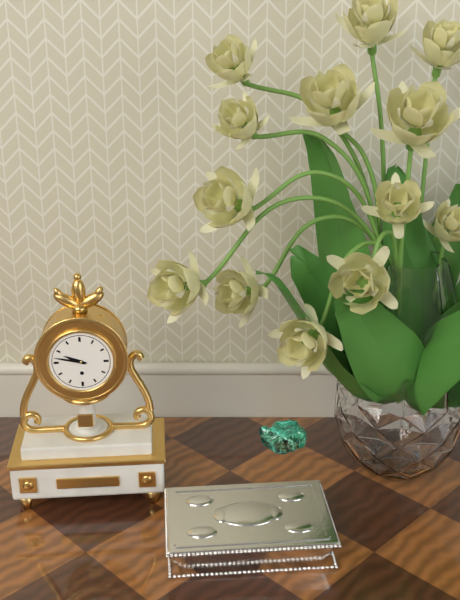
9 h 47 min
